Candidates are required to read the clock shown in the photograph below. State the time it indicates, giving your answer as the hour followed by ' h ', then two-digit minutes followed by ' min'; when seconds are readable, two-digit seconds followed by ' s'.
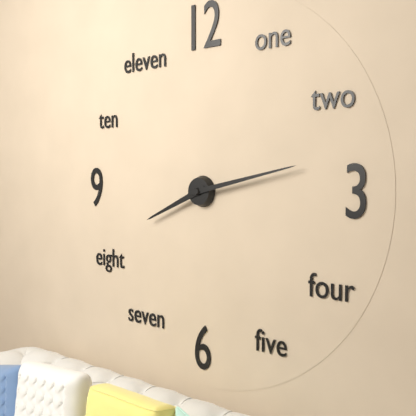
8 h 13 min
